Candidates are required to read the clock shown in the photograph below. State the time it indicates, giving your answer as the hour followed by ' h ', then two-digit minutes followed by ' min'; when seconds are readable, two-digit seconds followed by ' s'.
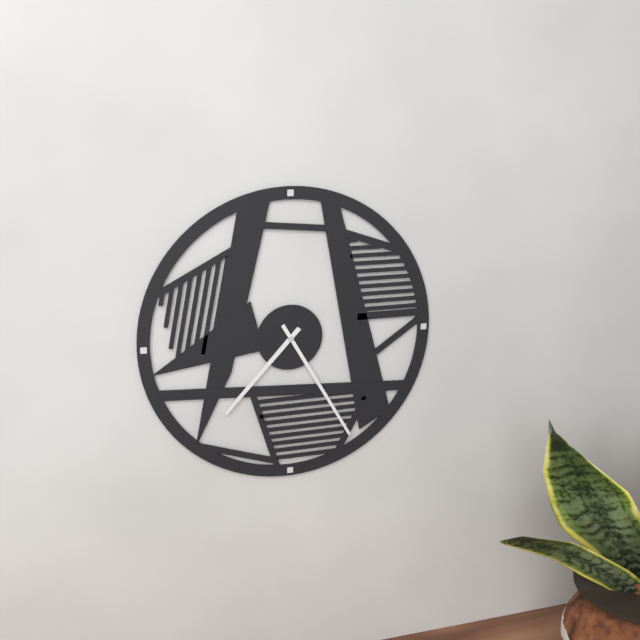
7 h 25 min
